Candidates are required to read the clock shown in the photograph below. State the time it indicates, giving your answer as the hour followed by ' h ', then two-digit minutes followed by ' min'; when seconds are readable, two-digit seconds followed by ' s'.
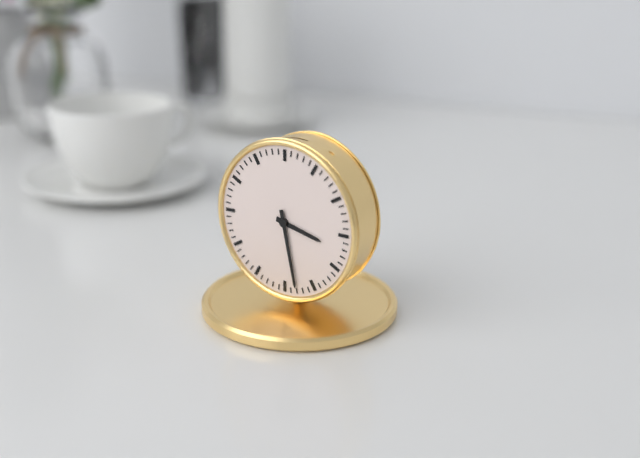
3 h 28 min
